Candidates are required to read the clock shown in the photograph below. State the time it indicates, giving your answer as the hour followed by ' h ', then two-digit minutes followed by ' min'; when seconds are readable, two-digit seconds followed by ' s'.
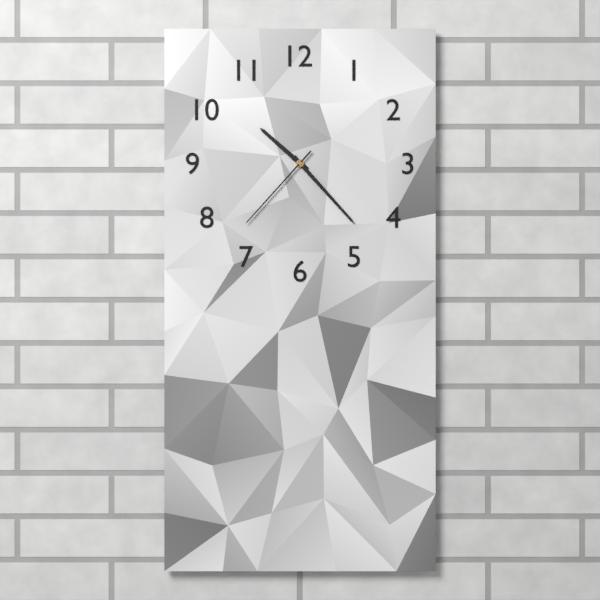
10 h 23 min 37 s
